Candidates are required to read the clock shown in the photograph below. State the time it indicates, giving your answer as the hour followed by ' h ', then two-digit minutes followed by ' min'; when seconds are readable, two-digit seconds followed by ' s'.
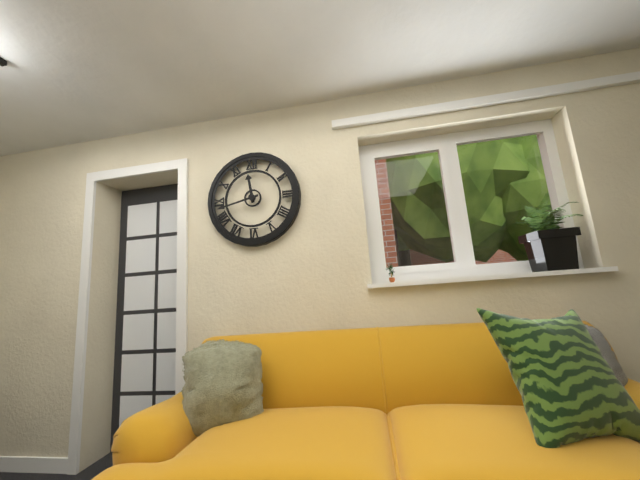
11 h 43 min
